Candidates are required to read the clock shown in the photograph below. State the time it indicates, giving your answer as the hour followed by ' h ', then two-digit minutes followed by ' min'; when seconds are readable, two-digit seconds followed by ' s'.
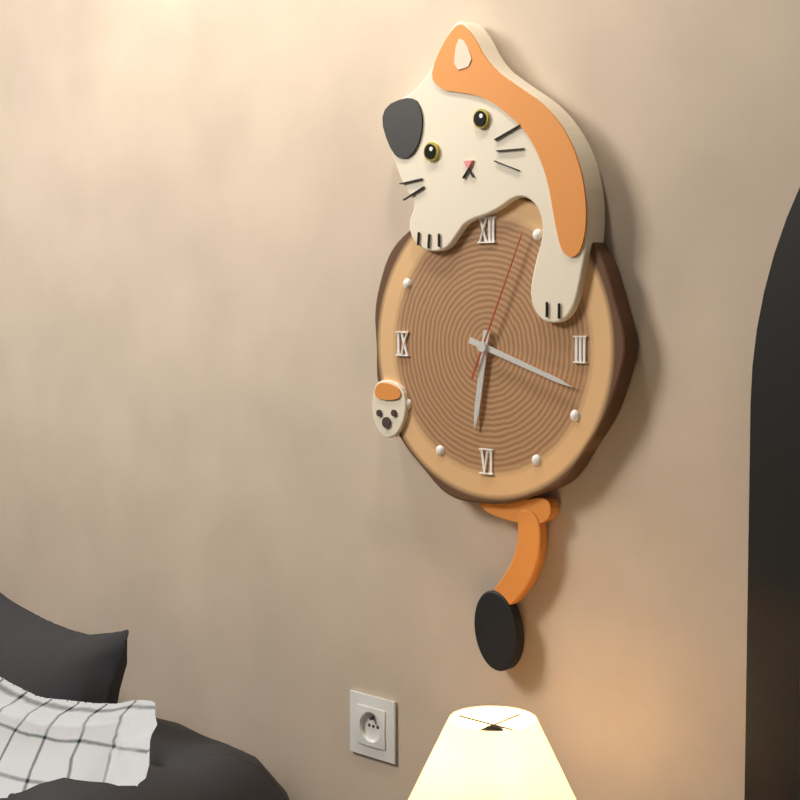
6 h 18 min 04 s
